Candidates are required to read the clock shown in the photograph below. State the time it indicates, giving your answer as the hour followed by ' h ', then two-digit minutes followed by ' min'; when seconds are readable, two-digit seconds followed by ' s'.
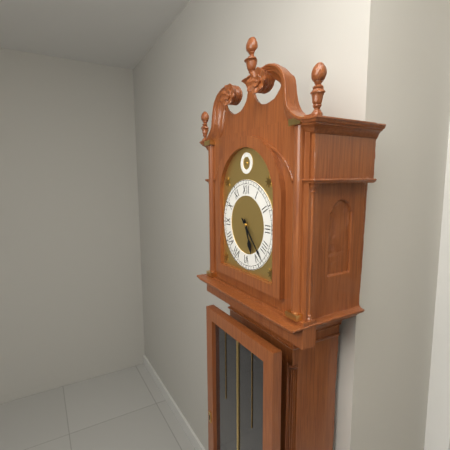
5 h 23 min
